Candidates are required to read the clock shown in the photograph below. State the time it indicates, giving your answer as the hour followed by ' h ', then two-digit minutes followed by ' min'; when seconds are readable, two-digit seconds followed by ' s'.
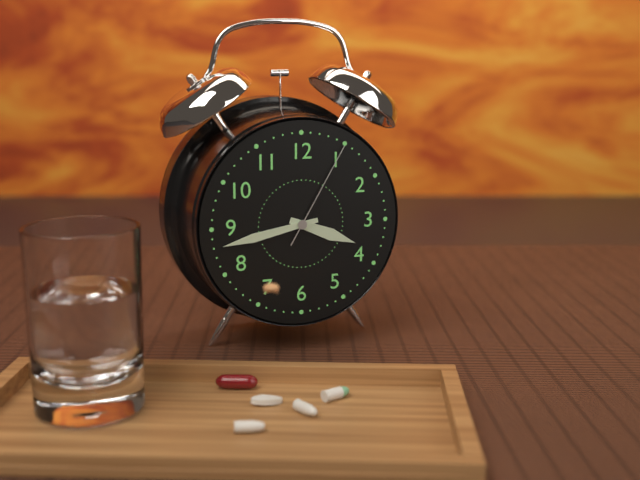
3 h 43 min 05 s
